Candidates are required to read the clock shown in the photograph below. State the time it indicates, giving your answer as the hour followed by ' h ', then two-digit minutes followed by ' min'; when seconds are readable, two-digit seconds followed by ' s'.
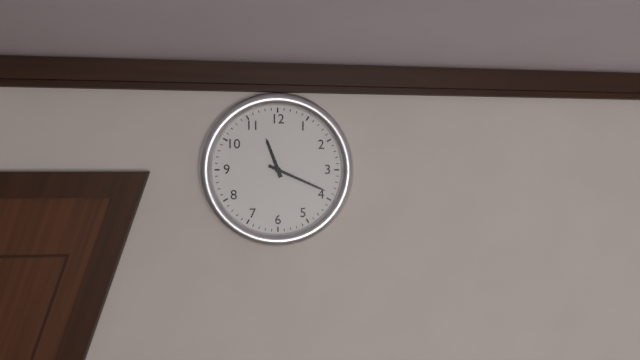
11 h 19 min
